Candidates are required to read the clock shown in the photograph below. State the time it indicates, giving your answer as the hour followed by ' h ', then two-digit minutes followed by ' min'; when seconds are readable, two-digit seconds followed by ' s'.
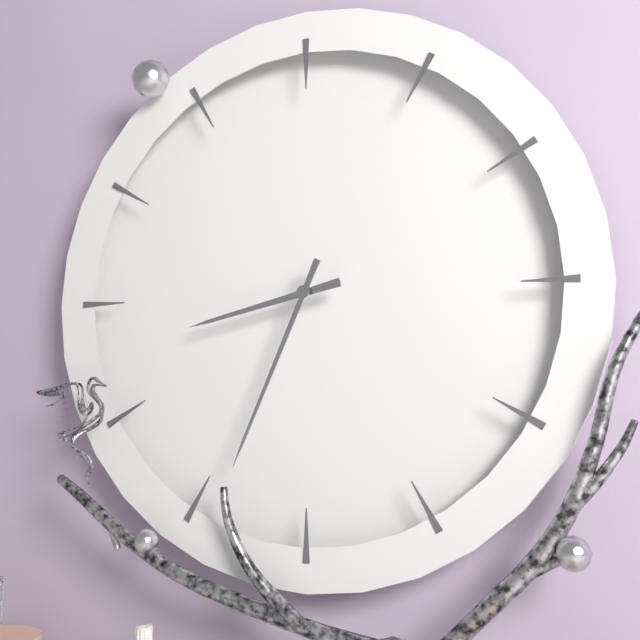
8 h 34 min
